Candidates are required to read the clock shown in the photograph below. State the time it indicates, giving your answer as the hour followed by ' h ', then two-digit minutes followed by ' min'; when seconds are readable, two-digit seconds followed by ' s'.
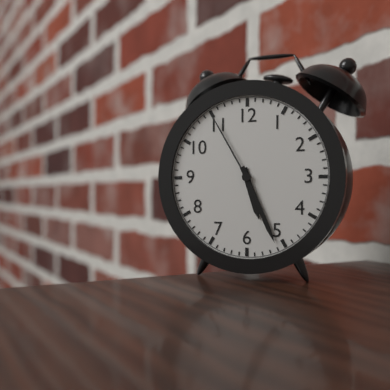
5 h 26 min 55 s
